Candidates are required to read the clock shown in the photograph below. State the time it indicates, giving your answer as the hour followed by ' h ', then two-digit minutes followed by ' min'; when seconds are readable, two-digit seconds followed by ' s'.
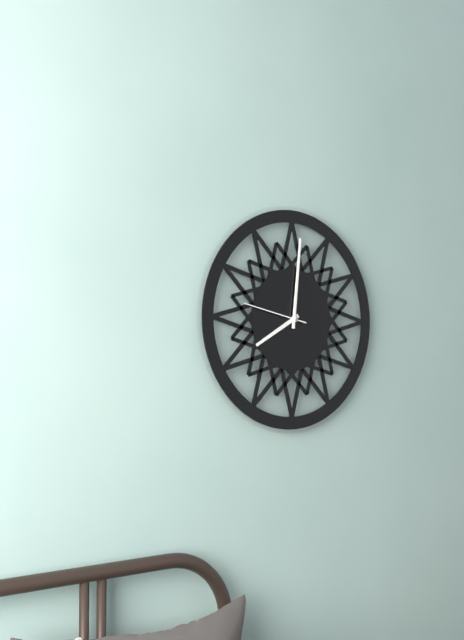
8 h 01 min 47 s
